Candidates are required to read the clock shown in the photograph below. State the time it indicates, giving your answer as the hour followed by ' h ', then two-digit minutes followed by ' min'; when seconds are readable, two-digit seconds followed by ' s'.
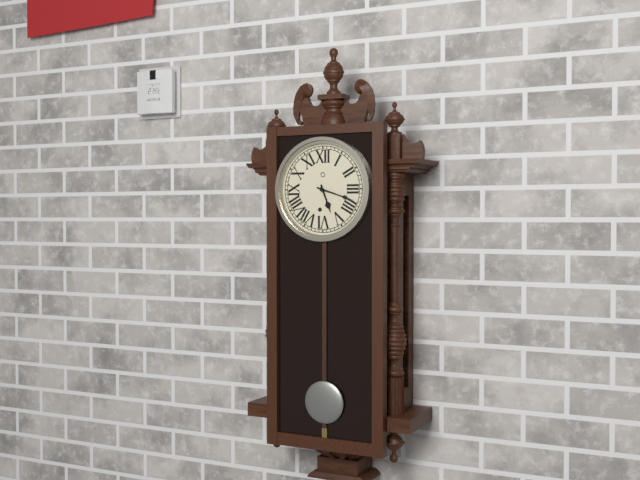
5 h 18 min
